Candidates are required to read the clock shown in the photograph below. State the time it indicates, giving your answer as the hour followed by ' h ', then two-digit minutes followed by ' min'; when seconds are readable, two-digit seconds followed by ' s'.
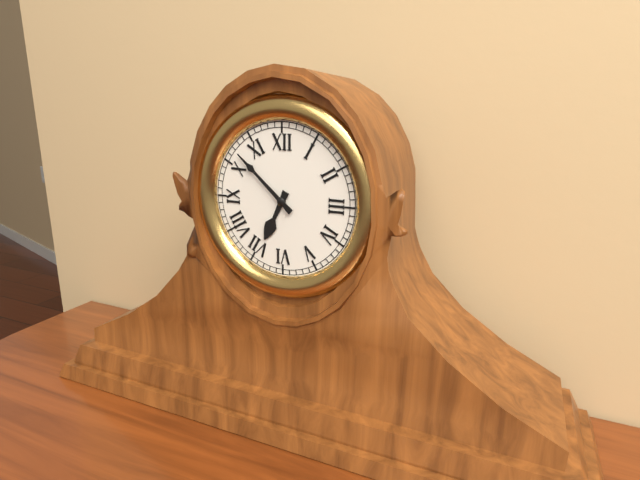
6 h 52 min
